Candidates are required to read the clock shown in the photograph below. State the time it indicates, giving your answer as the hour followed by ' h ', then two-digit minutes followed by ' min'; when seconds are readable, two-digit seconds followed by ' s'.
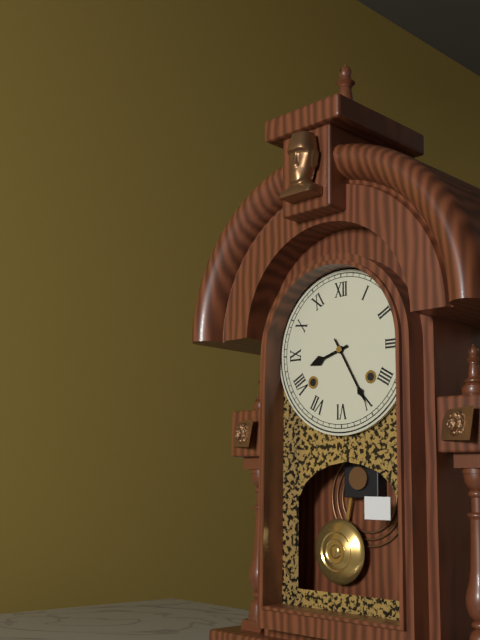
8 h 25 min
